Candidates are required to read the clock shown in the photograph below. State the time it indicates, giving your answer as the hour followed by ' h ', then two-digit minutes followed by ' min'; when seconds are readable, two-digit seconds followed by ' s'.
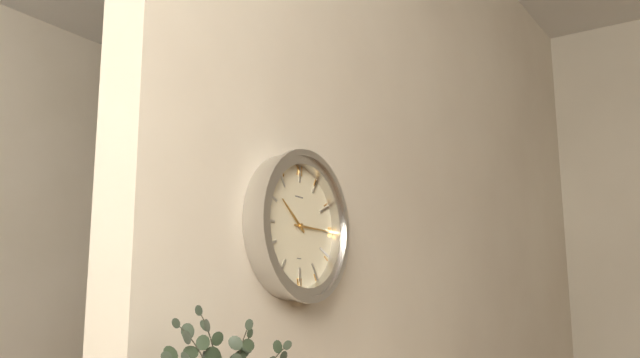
10 h 15 min
